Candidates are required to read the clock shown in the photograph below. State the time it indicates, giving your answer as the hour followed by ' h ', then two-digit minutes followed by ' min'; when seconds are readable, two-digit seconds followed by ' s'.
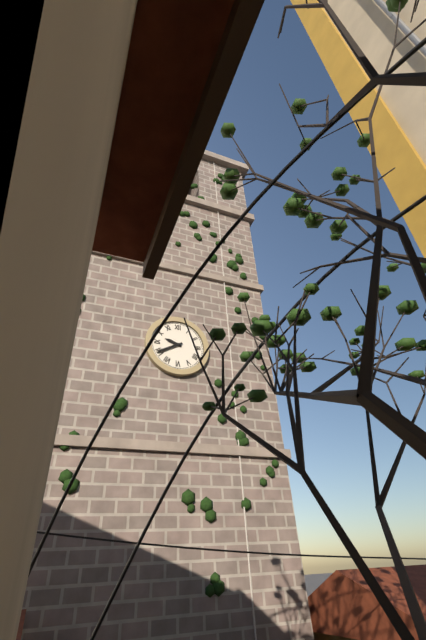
9 h 40 min
